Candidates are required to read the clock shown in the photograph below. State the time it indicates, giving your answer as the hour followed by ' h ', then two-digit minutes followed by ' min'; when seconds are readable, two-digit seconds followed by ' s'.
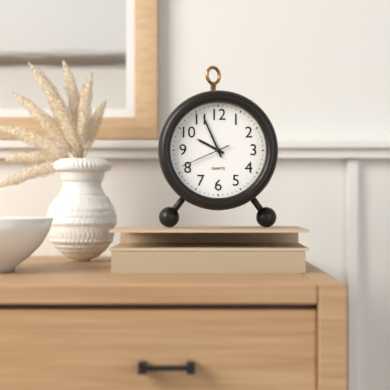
9 h 56 min
